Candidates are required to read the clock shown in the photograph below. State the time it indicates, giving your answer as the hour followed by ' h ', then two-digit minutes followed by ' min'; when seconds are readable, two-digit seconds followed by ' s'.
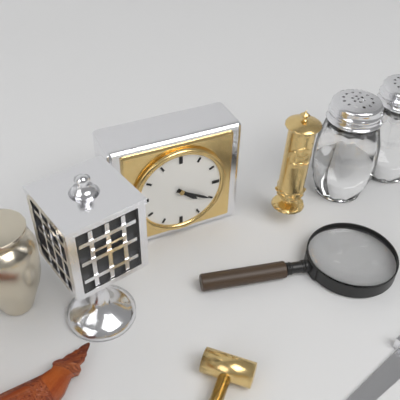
4 h 20 min
